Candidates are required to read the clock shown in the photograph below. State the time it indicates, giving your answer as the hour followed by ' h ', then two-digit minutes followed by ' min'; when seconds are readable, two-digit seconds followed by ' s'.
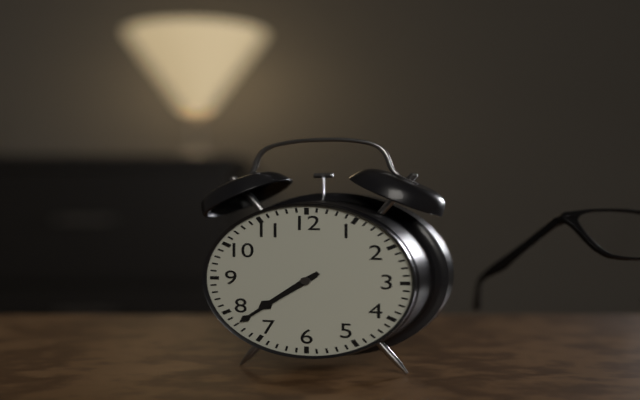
7 h 38 min
